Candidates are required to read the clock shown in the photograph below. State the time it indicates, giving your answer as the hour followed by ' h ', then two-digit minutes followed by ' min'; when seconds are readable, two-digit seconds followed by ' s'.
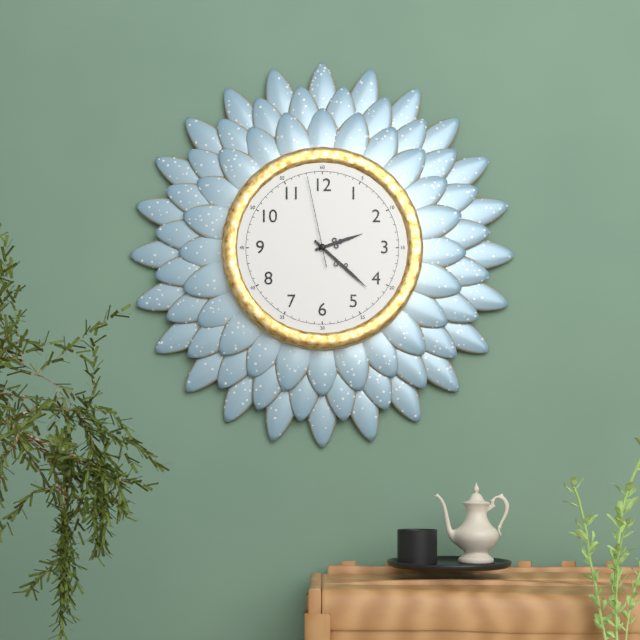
2 h 22 min 58 s
